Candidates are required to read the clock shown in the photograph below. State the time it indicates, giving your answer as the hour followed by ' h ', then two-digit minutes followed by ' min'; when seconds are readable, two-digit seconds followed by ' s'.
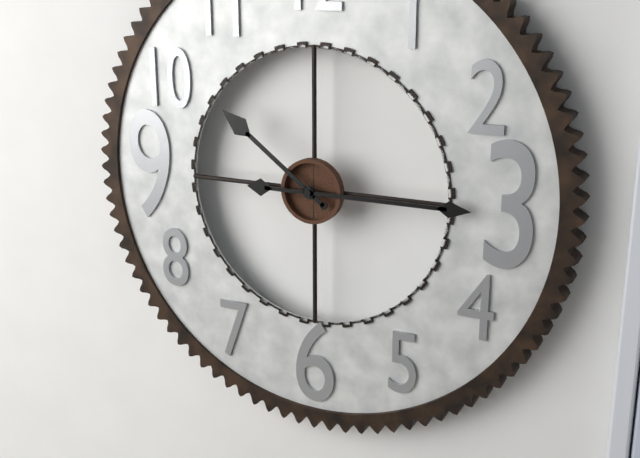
10 h 15 min
